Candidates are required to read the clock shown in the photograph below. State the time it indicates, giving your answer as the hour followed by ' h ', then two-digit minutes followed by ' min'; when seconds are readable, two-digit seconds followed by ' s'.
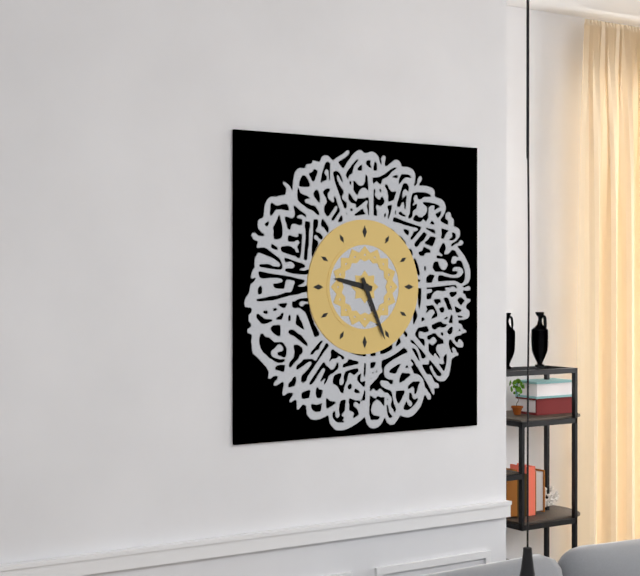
9 h 26 min
